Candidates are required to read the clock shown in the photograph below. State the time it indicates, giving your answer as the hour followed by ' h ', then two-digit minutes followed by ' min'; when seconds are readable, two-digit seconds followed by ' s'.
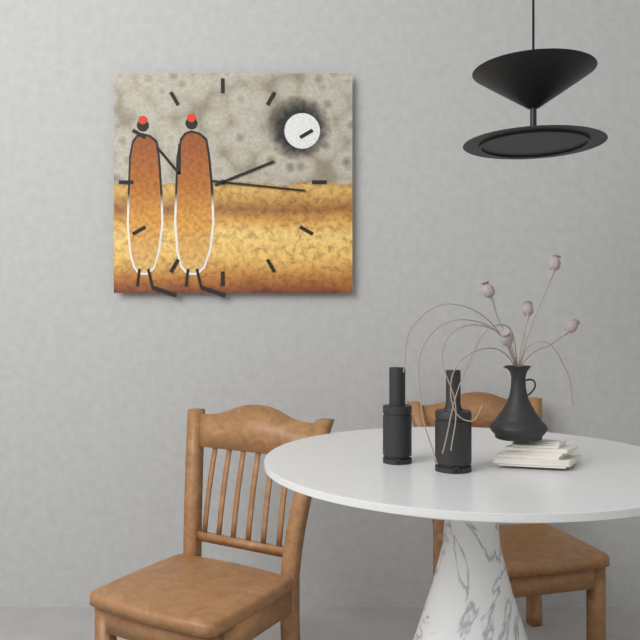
2 h 16 min
